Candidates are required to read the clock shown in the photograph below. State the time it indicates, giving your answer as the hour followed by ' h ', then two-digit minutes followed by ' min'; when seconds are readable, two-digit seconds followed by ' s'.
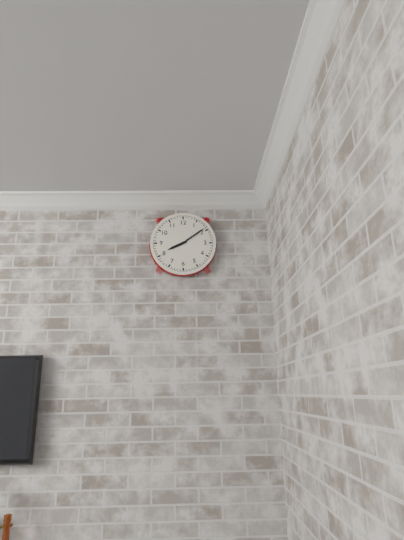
8 h 09 min
